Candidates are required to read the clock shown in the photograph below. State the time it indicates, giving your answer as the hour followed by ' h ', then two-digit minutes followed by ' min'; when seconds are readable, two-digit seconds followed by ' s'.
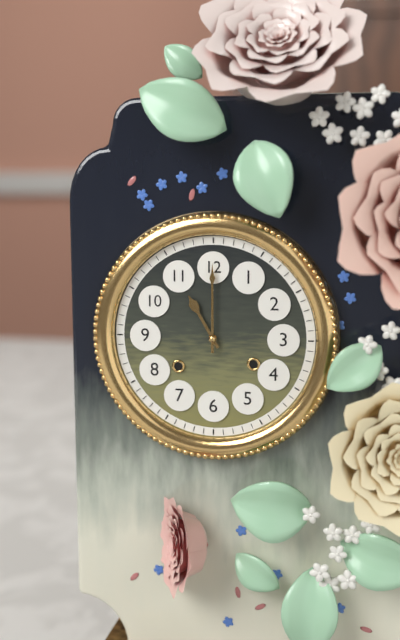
11 h 00 min
